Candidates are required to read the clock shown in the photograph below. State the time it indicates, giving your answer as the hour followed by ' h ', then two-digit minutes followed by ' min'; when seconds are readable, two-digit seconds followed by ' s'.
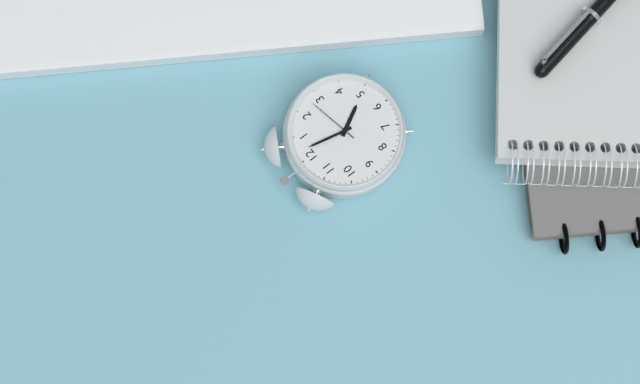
5 h 02 min 13 s
